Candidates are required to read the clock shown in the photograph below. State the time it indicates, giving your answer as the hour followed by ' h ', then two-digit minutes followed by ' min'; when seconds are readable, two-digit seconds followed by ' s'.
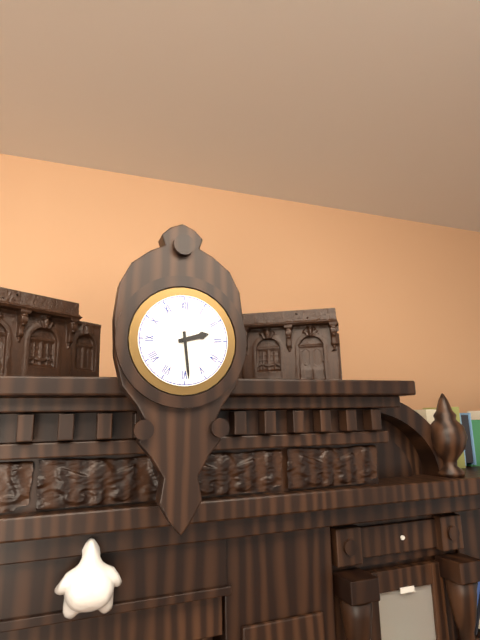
2 h 29 min
